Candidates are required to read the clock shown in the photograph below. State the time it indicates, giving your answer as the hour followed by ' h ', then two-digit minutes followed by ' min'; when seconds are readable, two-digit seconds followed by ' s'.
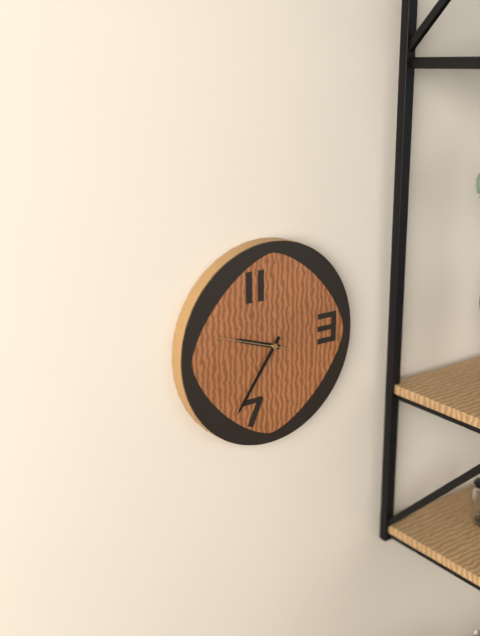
9 h 36 min 48 s
